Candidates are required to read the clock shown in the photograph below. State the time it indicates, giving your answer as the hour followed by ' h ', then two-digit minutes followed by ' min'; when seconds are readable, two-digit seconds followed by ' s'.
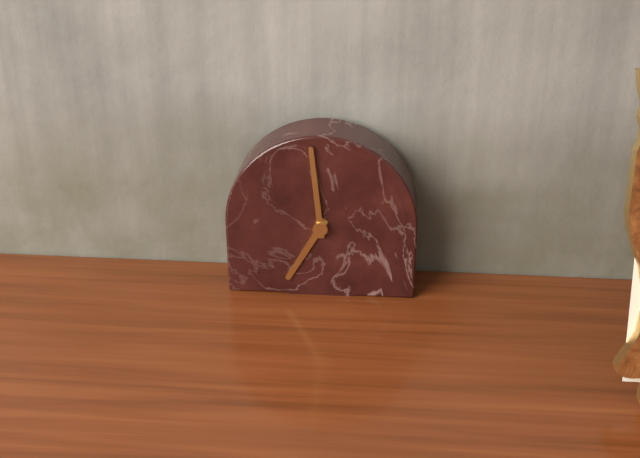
6 h 59 min
